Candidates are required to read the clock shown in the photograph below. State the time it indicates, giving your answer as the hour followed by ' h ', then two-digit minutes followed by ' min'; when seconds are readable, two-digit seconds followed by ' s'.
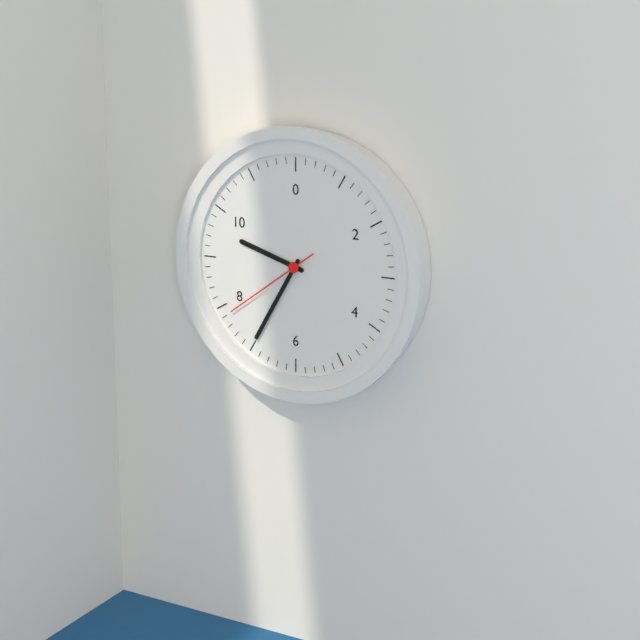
9 h 35 min 39 s
